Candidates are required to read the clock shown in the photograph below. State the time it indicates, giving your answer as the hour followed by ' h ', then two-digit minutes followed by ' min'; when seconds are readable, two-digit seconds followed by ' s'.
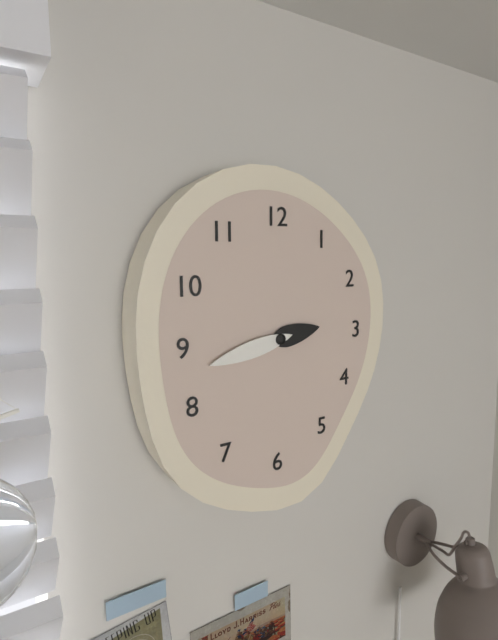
2 h 43 min
